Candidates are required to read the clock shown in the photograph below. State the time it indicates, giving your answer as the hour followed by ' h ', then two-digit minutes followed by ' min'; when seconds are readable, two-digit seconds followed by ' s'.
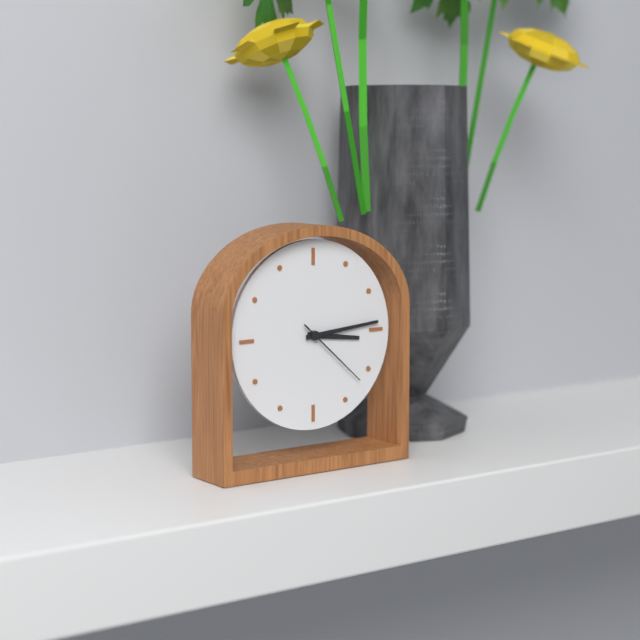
3 h 14 min 22 s
